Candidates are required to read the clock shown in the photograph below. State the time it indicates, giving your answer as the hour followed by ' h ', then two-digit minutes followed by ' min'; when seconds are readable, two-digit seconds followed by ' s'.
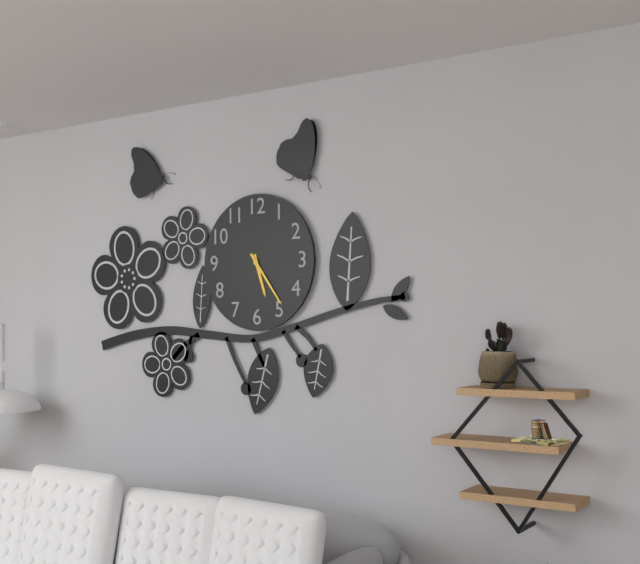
5 h 24 min
